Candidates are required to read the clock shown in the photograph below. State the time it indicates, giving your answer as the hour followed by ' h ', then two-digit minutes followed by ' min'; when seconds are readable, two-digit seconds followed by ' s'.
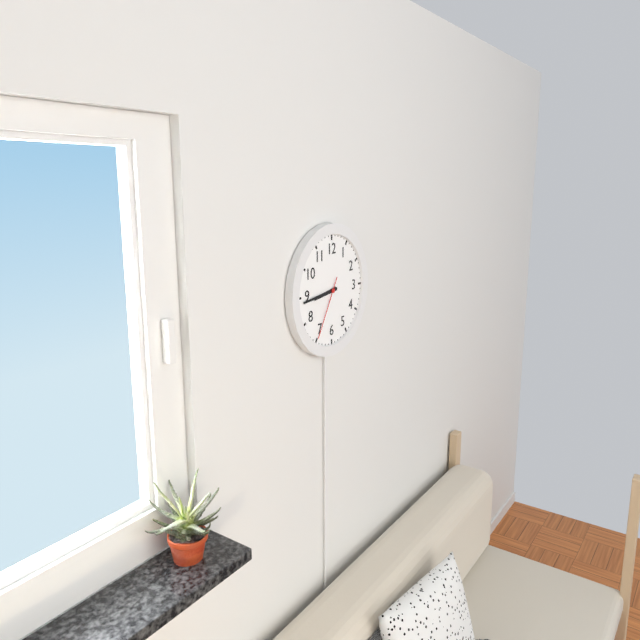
8 h 44 min 35 s
